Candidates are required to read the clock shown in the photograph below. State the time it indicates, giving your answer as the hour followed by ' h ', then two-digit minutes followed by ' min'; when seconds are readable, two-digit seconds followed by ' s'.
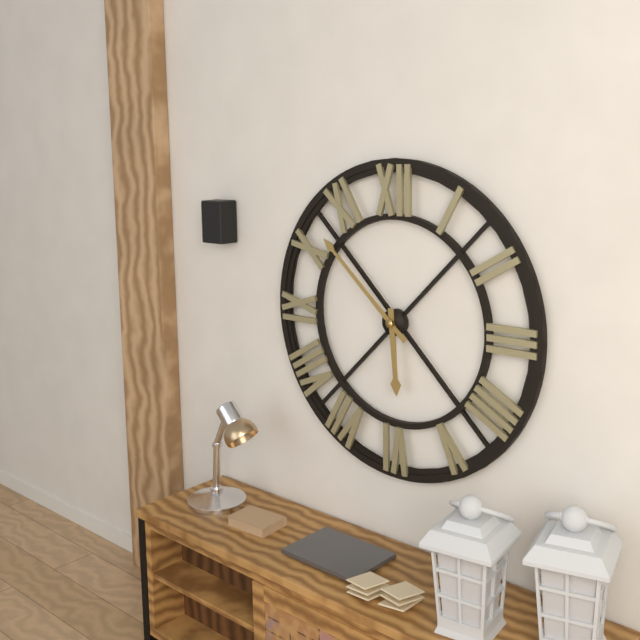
5 h 52 min
